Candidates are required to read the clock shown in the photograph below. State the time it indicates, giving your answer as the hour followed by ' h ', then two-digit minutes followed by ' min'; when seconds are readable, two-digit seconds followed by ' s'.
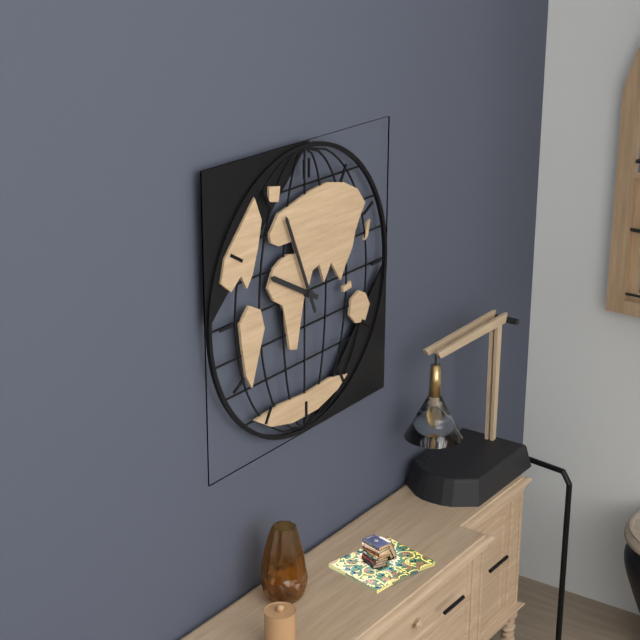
9 h 56 min
